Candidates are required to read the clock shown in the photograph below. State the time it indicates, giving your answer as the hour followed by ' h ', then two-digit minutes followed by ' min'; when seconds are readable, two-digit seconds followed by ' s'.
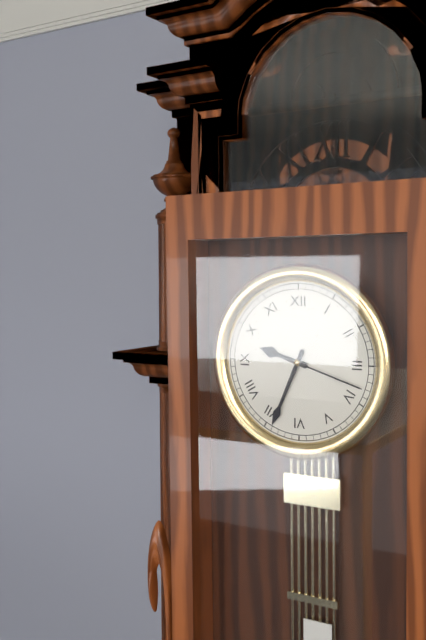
9 h 34 min 18 s
